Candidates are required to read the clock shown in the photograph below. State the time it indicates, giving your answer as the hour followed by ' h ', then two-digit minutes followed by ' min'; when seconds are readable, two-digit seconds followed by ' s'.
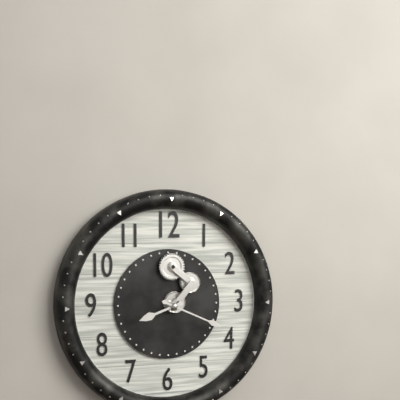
8 h 19 min
